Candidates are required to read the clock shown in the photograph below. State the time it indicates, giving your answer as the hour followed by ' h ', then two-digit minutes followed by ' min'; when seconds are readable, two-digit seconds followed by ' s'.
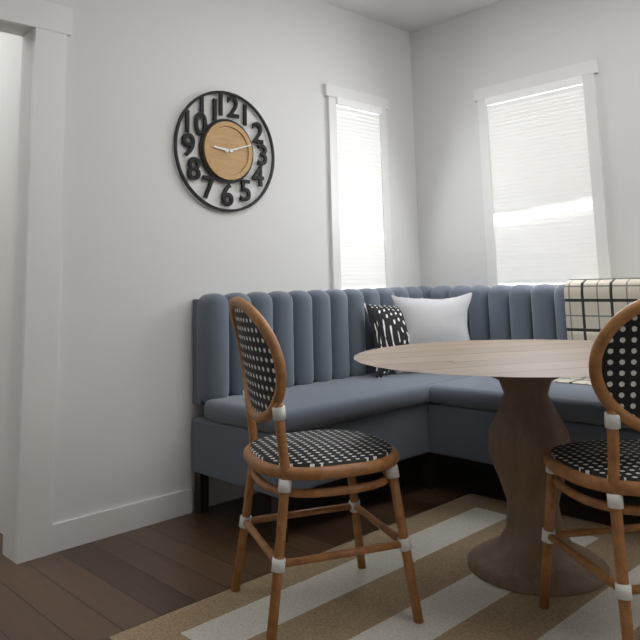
9 h 12 min
